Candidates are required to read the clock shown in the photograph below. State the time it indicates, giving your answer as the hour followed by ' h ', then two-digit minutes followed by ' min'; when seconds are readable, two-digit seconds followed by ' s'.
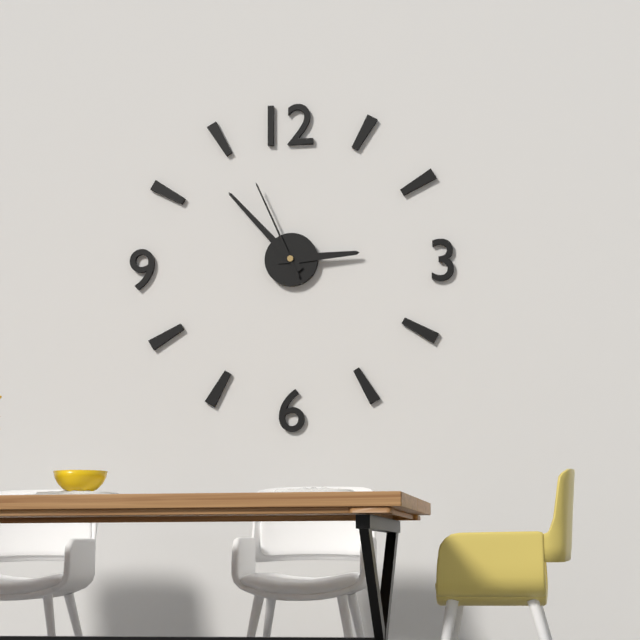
2 h 53 min 56 s
